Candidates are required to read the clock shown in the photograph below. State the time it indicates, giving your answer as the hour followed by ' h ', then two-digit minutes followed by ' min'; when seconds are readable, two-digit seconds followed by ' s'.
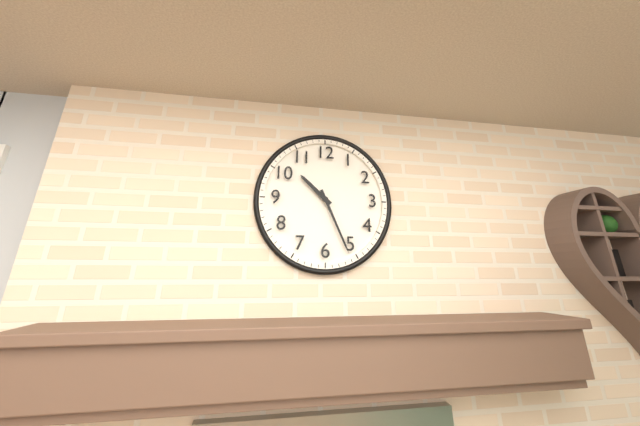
10 h 26 min
